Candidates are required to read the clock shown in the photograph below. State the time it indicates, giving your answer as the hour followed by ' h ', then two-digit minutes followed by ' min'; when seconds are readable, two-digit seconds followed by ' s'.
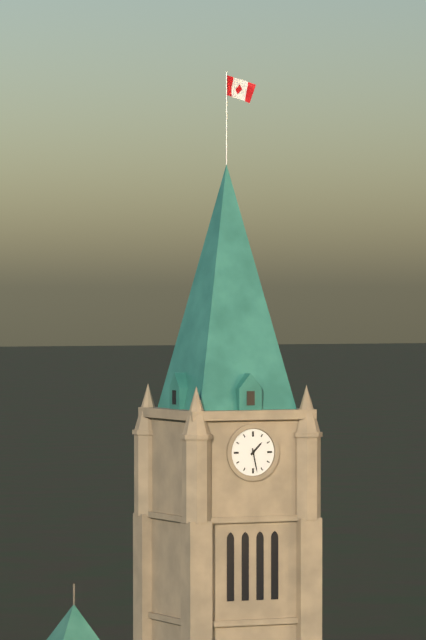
1 h 28 min
